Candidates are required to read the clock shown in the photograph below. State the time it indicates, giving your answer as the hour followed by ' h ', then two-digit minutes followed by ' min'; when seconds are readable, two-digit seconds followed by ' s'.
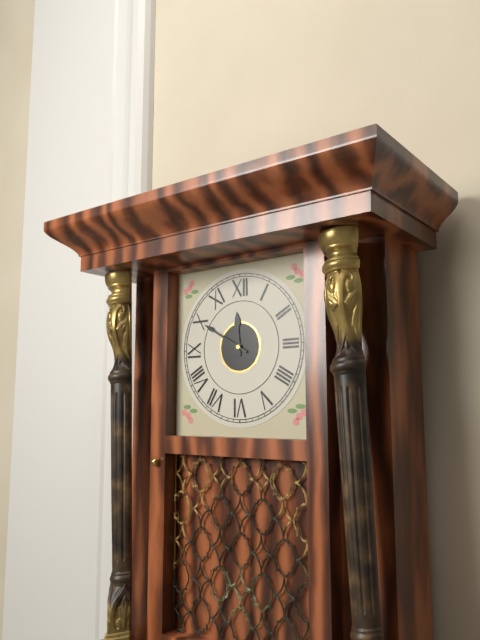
11 h 50 min
